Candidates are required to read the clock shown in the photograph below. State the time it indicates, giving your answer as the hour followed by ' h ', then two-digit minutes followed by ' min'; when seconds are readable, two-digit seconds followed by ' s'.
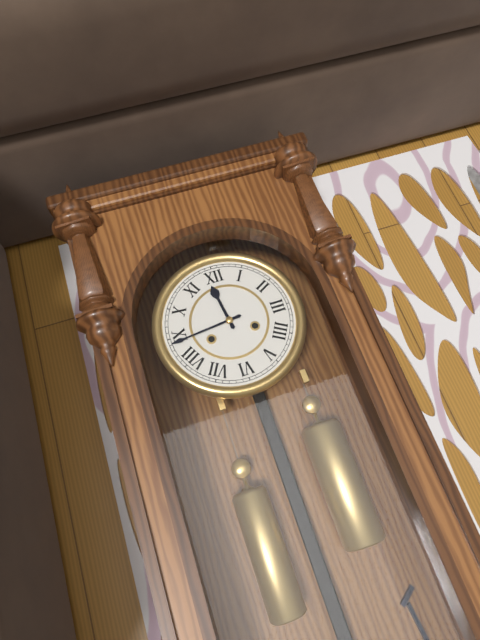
11 h 44 min
